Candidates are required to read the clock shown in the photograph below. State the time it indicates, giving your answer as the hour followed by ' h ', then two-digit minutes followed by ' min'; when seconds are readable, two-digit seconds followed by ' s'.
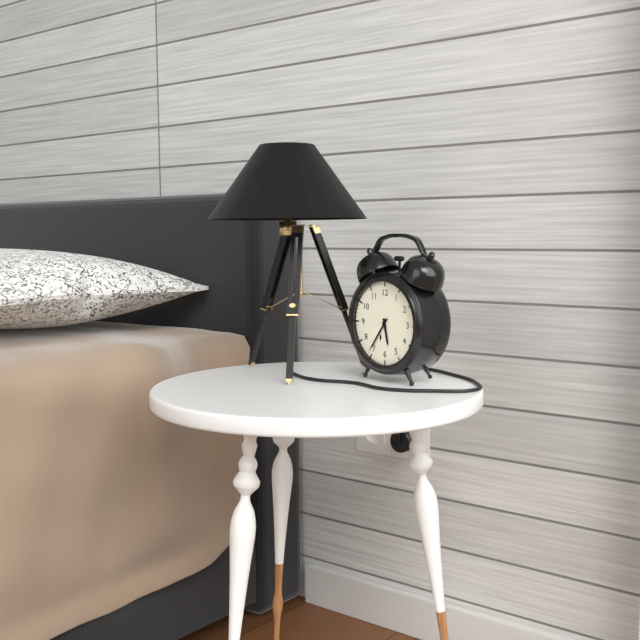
5 h 36 min
